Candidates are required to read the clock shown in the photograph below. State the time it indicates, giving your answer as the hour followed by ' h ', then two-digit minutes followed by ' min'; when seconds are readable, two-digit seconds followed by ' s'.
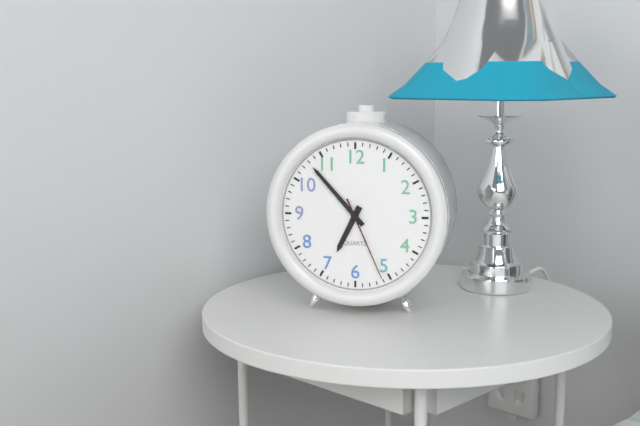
6 h 53 min 26 s
